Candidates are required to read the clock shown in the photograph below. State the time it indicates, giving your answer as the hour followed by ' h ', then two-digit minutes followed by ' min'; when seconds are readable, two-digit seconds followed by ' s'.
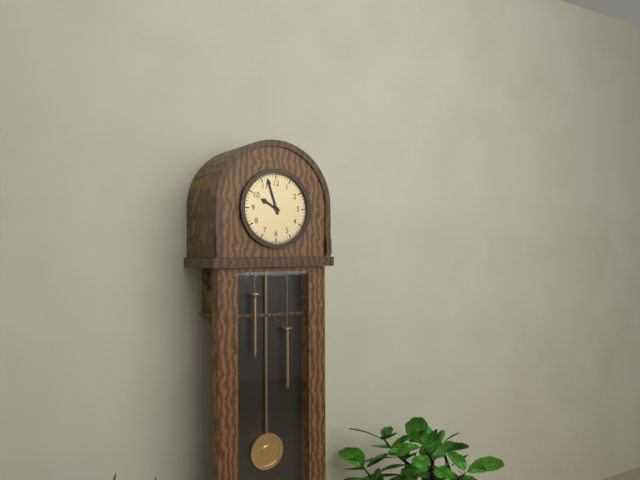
9 h 57 min
